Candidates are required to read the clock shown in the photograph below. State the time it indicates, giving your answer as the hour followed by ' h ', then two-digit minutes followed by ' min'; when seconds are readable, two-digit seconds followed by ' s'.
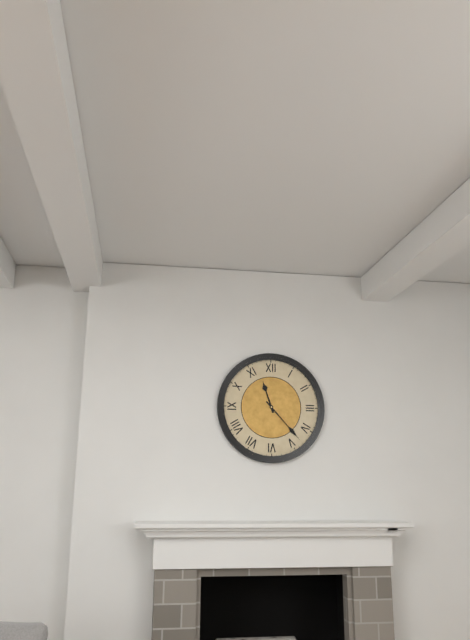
11 h 23 min
